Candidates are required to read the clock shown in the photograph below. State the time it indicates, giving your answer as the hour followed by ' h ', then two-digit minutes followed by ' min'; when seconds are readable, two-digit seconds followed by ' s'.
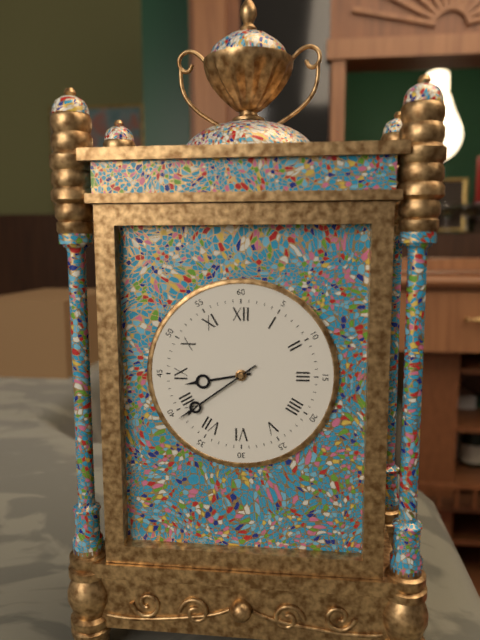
8 h 39 min
